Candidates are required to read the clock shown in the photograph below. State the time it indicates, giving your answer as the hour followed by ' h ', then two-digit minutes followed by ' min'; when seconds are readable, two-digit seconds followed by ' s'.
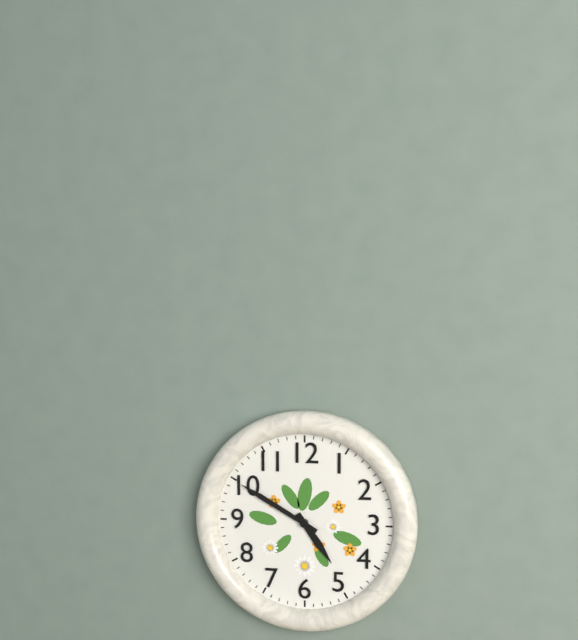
4 h 50 min
